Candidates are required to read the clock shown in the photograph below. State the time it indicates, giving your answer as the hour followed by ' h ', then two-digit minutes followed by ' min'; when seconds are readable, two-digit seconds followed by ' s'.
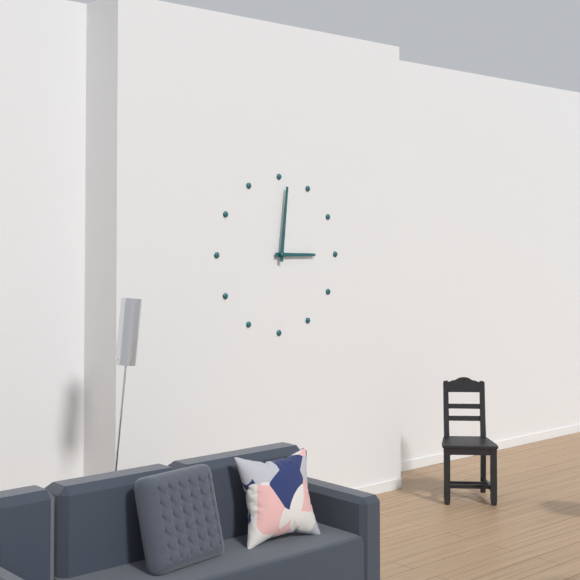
3 h 01 min
